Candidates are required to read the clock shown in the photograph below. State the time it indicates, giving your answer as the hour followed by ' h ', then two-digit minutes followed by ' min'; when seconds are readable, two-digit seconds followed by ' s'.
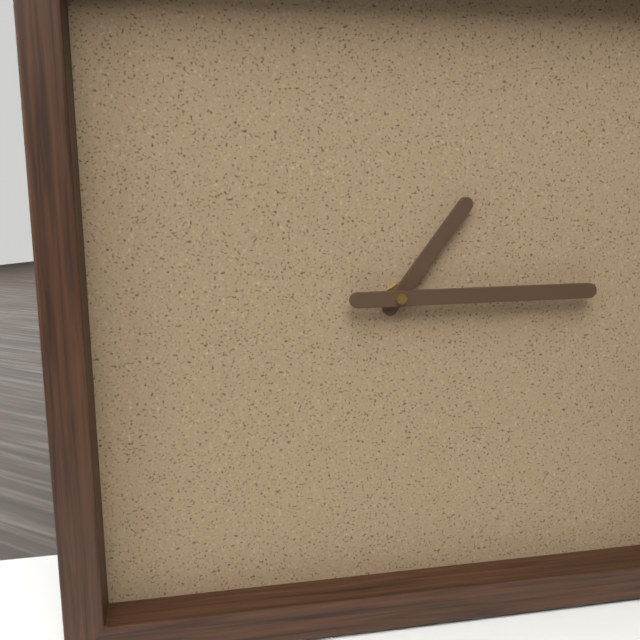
1 h 15 min
